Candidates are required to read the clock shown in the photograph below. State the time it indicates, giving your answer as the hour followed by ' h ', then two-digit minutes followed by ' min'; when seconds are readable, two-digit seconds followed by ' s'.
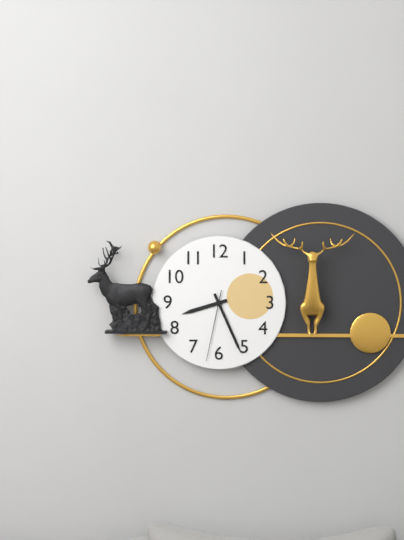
8 h 26 min 32 s
